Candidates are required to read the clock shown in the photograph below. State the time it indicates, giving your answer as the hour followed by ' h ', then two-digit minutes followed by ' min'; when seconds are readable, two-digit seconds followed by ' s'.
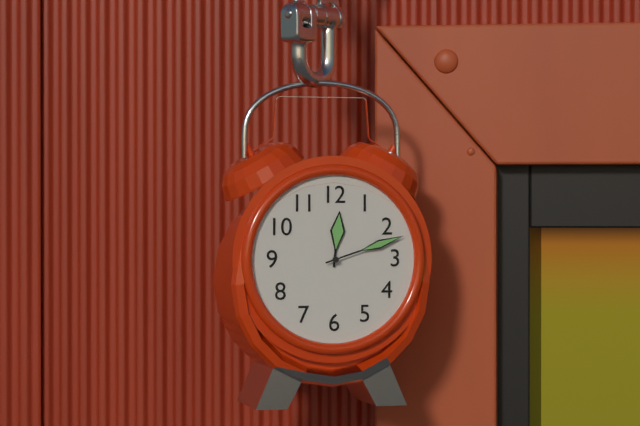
12 h 12 min
